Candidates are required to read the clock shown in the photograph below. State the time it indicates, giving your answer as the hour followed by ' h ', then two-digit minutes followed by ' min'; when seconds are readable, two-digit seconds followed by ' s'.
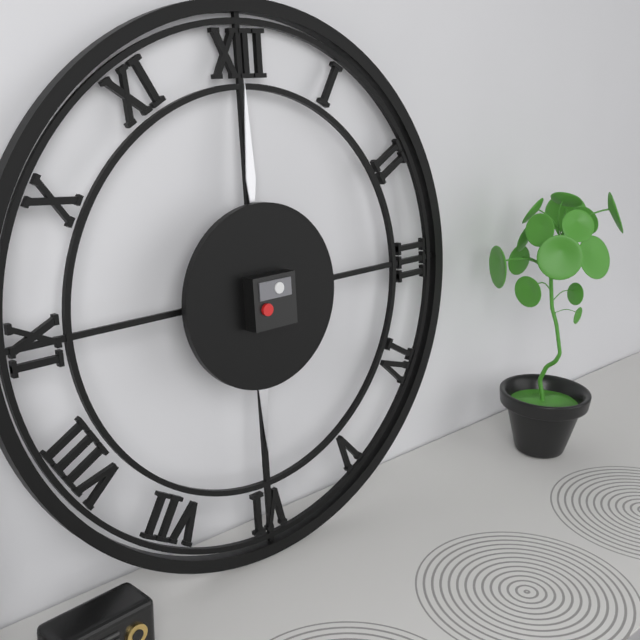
6 h 00 min
